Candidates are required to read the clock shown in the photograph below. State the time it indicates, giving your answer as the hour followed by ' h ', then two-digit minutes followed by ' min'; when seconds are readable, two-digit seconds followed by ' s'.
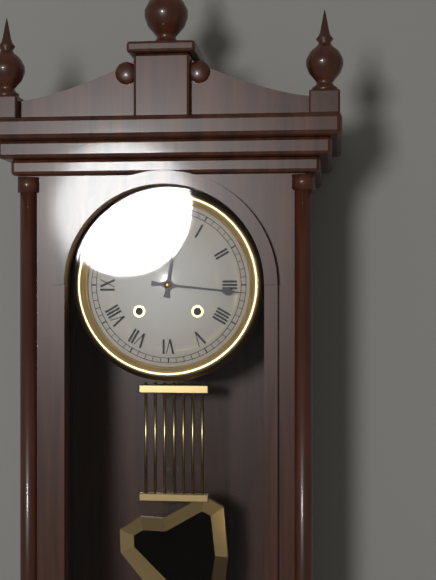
12 h 16 min
